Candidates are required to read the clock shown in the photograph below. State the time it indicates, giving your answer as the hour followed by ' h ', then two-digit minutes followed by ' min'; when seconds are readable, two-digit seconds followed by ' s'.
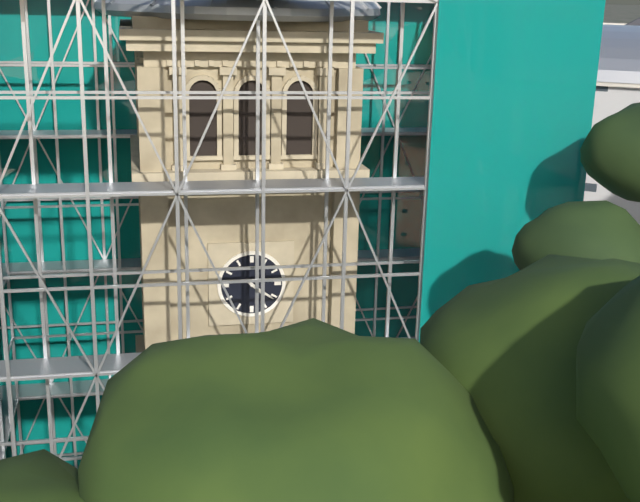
4 h 21 min
